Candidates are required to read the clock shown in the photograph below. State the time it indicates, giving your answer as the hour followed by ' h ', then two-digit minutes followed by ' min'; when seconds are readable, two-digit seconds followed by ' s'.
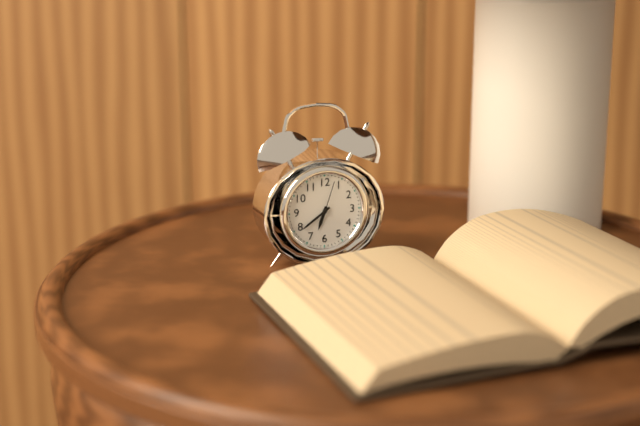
6 h 39 min
